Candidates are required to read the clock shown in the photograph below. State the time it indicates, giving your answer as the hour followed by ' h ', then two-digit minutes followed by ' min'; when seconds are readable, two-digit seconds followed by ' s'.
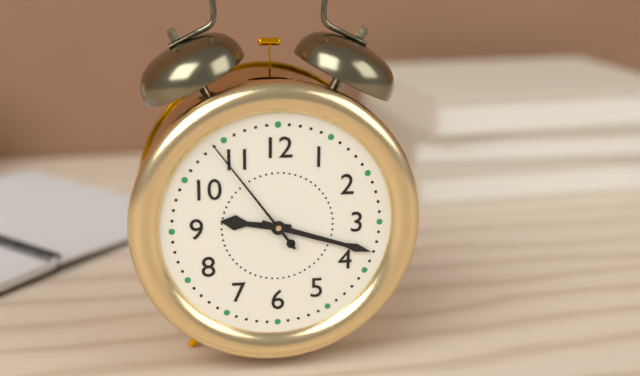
9 h 18 min 54 s
